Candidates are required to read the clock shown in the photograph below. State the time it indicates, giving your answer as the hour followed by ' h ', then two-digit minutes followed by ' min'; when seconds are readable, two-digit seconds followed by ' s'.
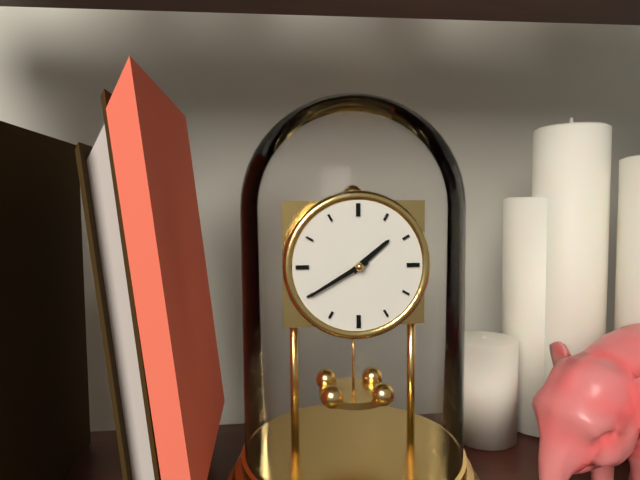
1 h 40 min
